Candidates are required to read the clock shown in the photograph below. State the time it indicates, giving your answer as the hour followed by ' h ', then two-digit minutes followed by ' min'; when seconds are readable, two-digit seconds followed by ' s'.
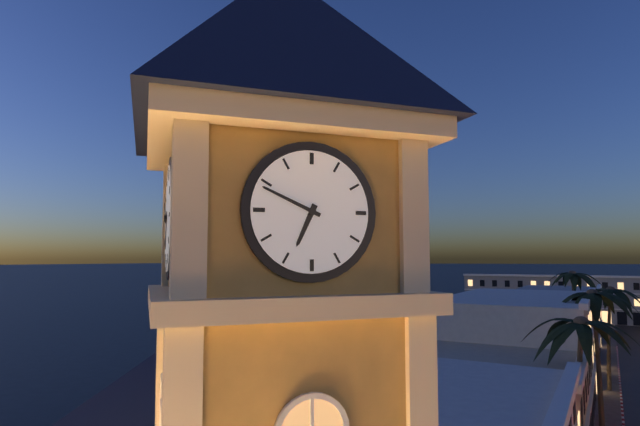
6 h 49 min
